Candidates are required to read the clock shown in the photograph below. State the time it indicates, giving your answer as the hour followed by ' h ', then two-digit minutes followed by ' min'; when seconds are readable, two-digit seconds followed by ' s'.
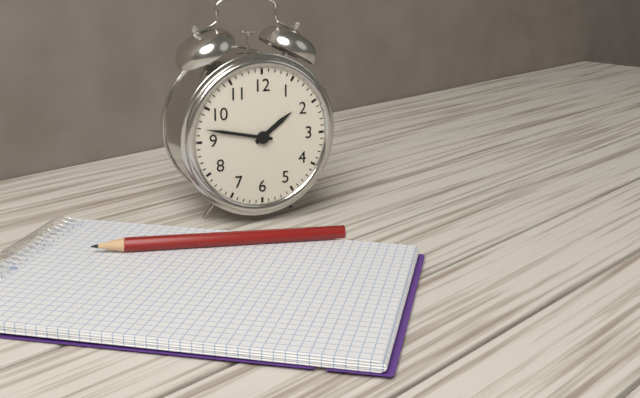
1 h 47 min
